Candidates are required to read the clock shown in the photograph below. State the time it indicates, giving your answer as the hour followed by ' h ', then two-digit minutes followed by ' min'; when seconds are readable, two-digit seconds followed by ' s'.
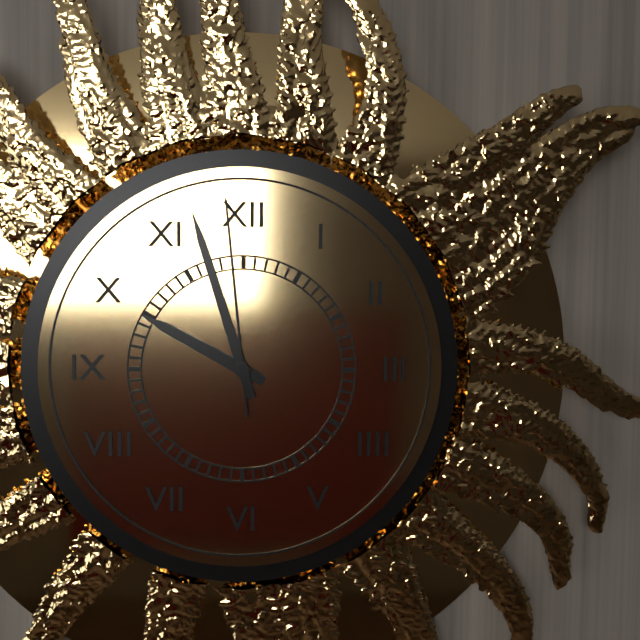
9 h 57 min 59 s
